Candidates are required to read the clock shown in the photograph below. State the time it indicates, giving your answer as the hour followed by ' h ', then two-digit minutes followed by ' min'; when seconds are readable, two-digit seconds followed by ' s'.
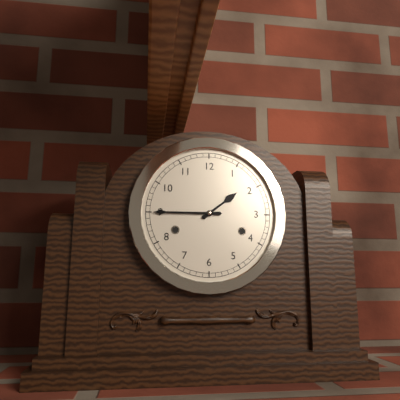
1 h 45 min
